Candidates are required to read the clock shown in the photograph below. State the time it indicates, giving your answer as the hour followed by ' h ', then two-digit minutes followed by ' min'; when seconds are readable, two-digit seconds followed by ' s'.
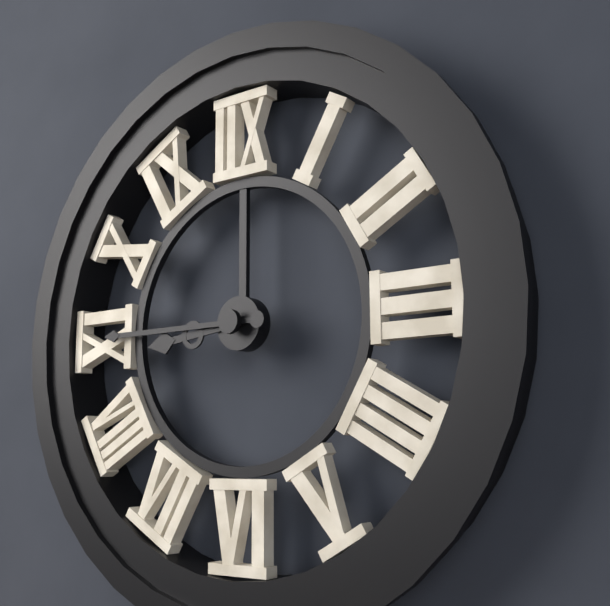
8 h 45 min
